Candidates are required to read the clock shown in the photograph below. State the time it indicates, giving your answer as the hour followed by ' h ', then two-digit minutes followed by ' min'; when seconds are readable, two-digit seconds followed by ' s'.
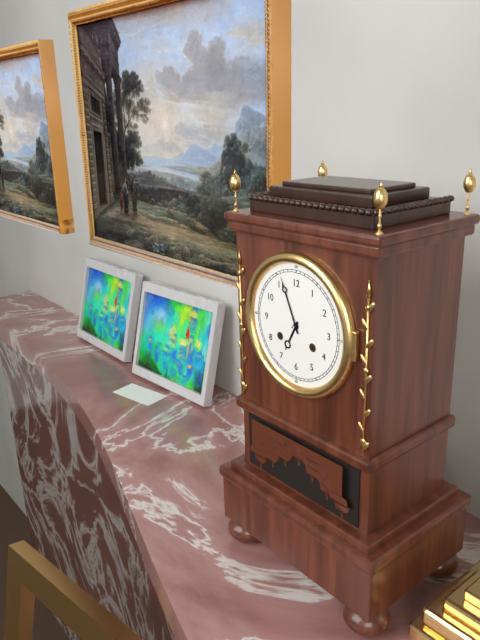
6 h 56 min
